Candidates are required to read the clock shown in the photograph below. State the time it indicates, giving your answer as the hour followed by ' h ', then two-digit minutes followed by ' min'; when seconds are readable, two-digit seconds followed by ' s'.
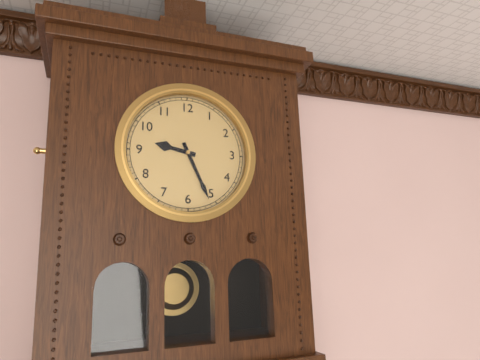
9 h 26 min
